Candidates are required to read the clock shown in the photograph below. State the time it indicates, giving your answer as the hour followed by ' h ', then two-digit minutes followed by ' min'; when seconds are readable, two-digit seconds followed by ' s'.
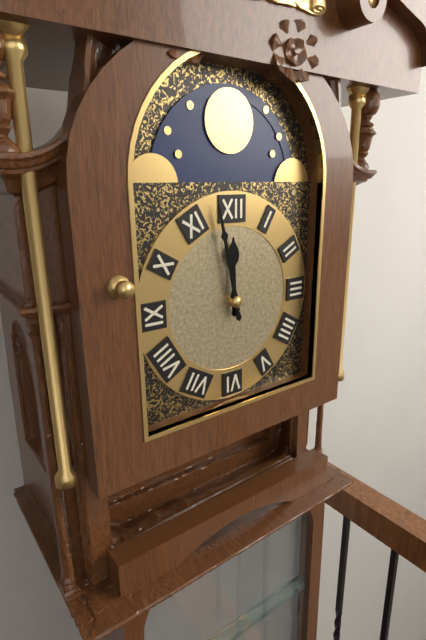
11 h 58 min
